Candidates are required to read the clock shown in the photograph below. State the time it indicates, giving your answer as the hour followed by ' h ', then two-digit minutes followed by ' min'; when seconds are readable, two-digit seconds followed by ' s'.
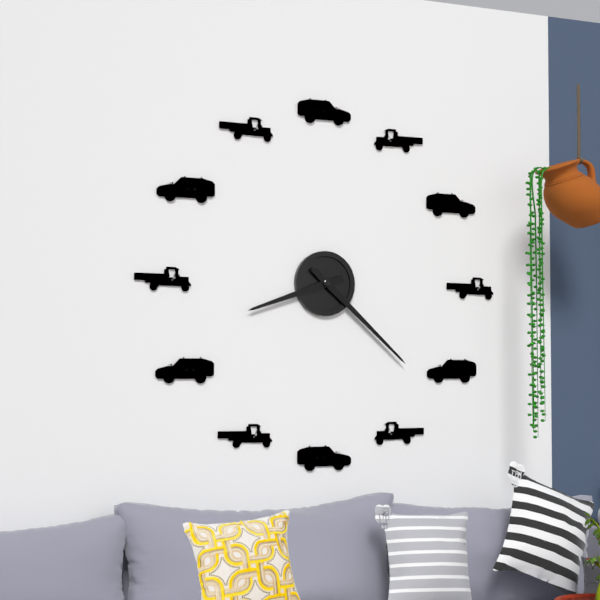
8 h 22 min
